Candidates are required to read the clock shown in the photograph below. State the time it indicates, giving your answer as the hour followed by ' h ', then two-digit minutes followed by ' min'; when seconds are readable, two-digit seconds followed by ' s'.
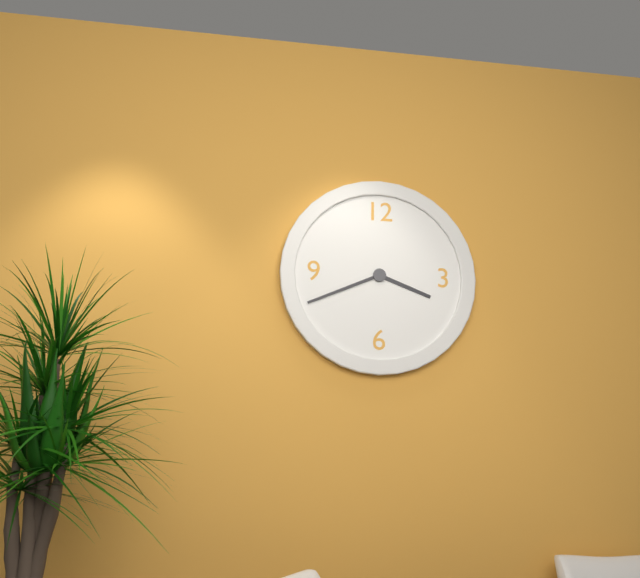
3 h 41 min
